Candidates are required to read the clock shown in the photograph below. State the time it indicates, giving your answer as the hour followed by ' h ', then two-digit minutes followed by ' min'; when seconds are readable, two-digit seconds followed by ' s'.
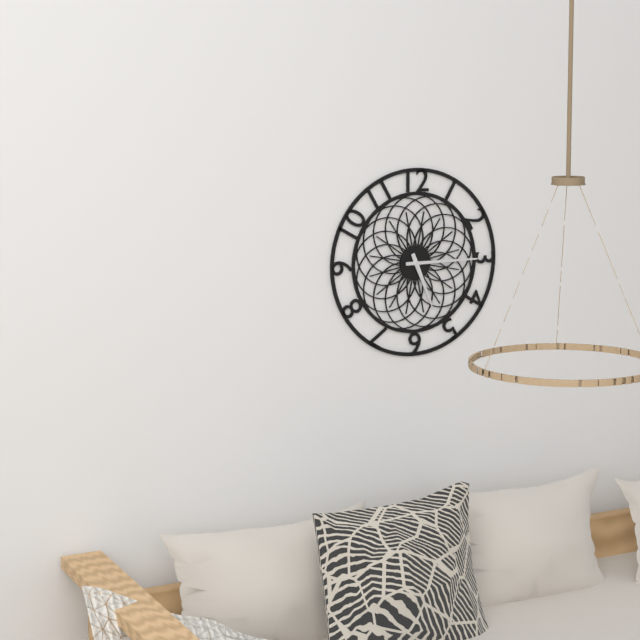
5 h 15 min
